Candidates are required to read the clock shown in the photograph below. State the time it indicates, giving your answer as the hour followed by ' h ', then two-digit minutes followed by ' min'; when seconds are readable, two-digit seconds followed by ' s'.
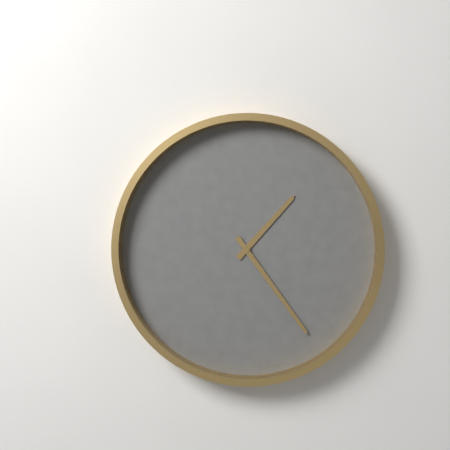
1 h 24 min
